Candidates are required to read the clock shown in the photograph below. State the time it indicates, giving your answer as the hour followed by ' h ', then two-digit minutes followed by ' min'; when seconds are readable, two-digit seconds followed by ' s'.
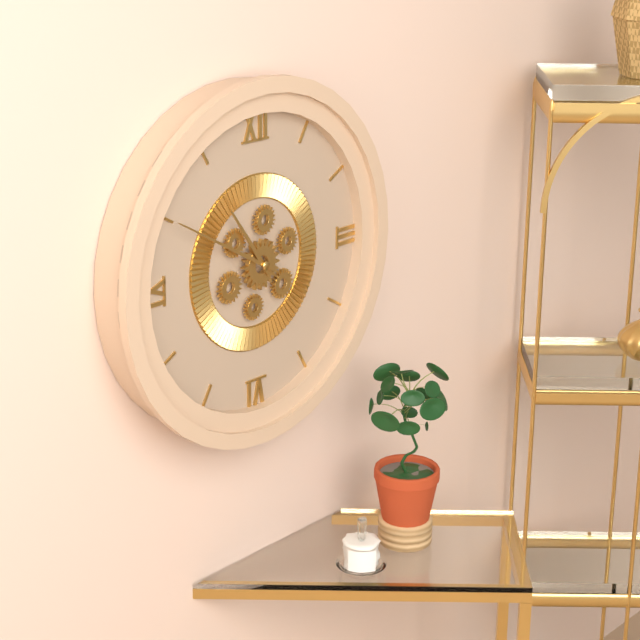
10 h 50 min
